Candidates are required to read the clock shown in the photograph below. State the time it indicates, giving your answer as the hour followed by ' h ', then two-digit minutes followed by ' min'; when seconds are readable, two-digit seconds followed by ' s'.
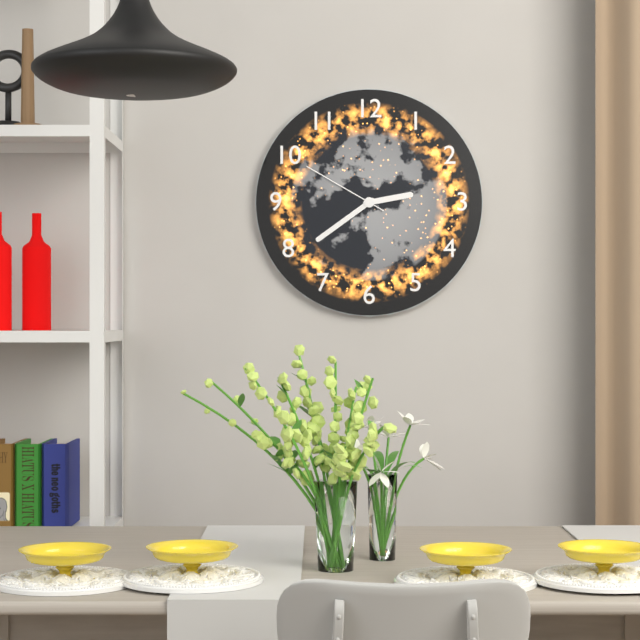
2 h 39 min 50 s
